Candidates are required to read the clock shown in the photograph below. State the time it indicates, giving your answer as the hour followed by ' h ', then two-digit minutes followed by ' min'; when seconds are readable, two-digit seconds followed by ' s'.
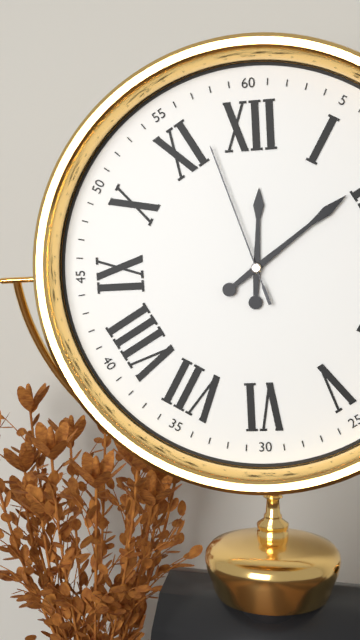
12 h 09 min 57 s
